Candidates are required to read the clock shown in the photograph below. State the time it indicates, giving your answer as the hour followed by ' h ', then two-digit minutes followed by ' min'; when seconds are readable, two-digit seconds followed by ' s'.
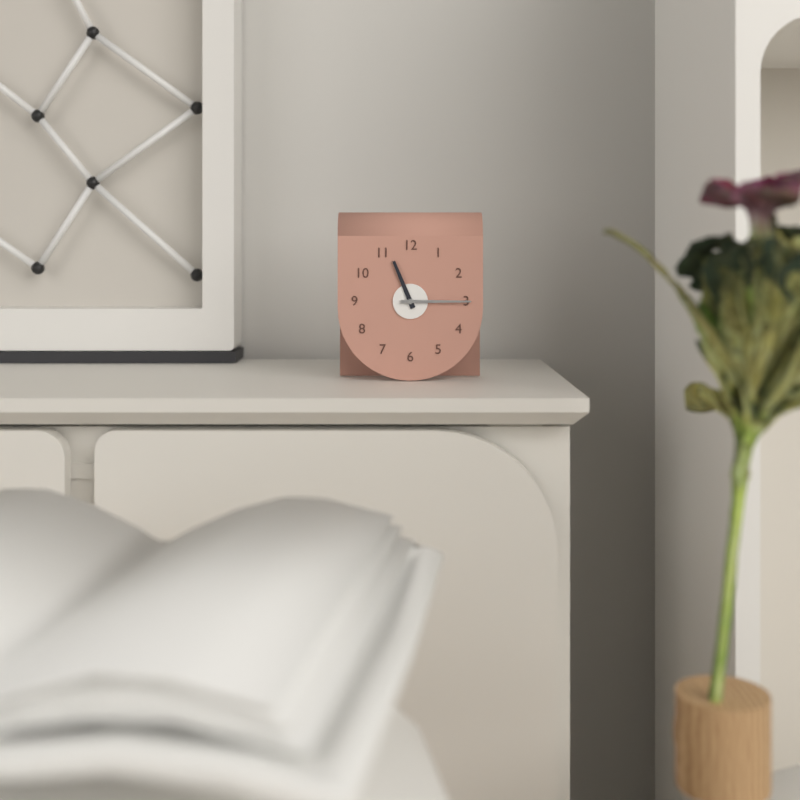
11 h 15 min
